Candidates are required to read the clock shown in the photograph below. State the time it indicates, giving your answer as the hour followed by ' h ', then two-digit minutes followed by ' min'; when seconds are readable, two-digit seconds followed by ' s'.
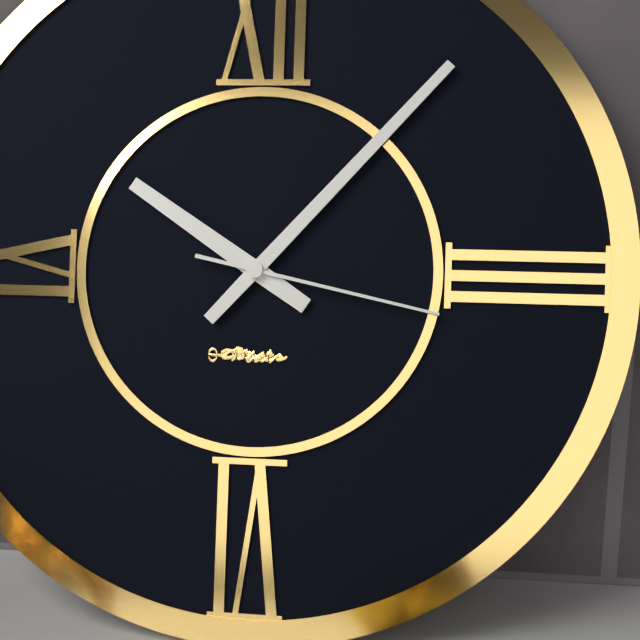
10 h 07 min 17 s
